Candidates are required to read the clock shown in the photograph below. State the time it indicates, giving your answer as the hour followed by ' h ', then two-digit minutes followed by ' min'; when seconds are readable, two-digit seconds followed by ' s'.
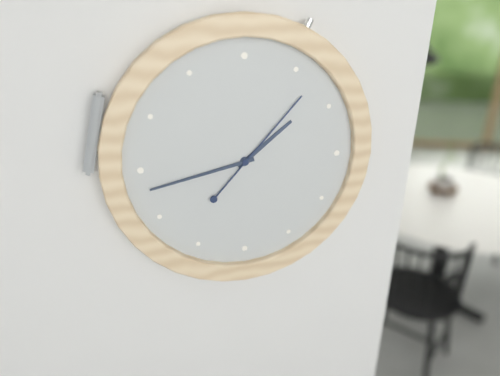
1 h 43 min 07 s
